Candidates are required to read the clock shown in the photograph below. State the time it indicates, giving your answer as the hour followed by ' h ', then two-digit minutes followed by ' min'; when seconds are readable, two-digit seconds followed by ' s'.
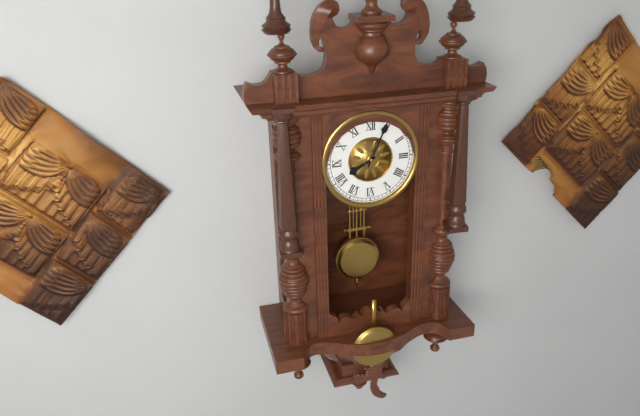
8 h 04 min
